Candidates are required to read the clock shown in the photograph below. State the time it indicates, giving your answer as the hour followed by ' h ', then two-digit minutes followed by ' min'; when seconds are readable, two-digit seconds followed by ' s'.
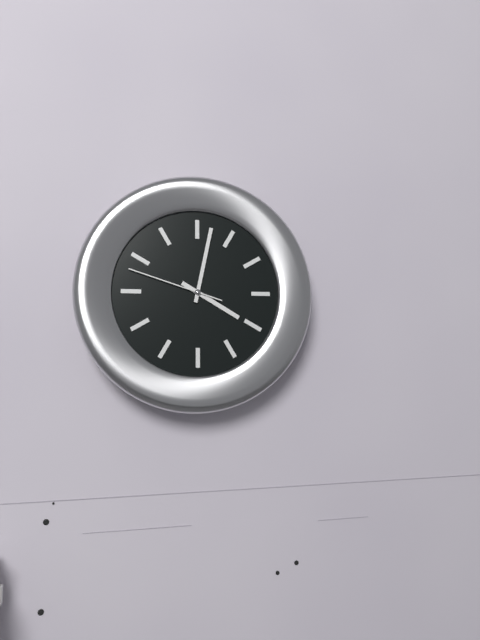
4 h 02 min 48 s
